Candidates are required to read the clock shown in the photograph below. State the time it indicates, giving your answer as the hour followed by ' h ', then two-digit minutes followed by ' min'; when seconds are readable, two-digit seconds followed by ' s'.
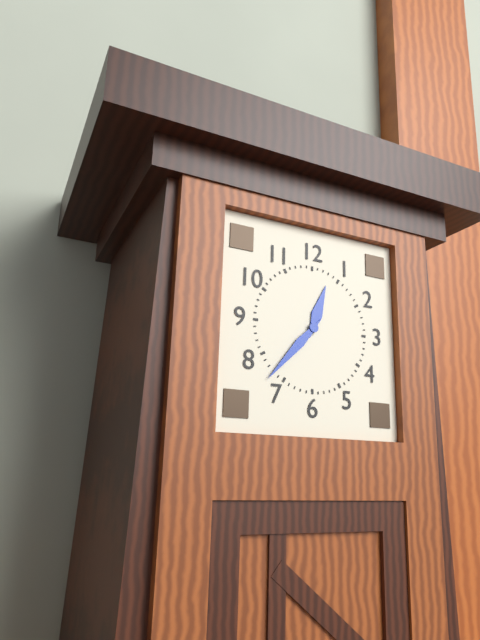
12 h 37 min
